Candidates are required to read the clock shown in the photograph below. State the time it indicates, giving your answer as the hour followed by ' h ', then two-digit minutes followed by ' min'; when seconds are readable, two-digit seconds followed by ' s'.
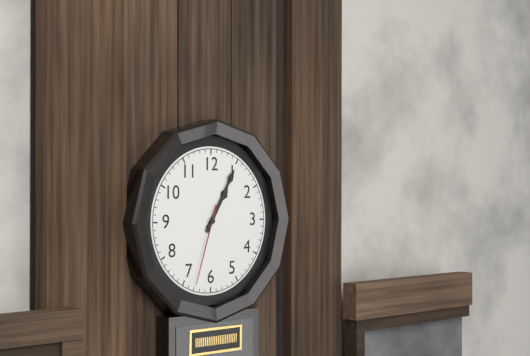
1 h 05 min 33 s
